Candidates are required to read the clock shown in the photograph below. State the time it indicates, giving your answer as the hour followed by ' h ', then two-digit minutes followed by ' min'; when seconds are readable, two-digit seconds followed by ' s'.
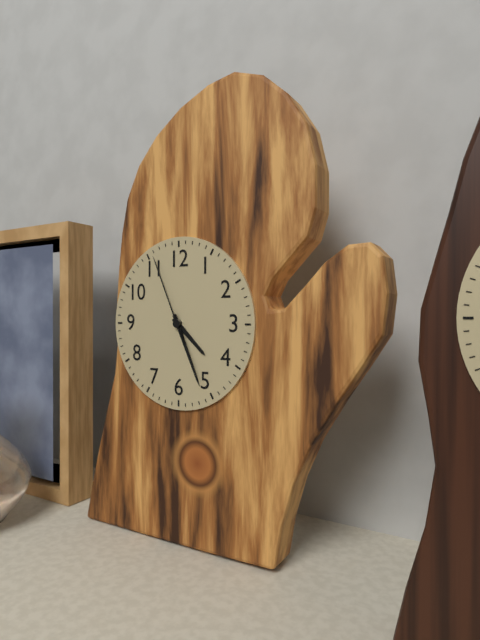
4 h 26 min 56 s
